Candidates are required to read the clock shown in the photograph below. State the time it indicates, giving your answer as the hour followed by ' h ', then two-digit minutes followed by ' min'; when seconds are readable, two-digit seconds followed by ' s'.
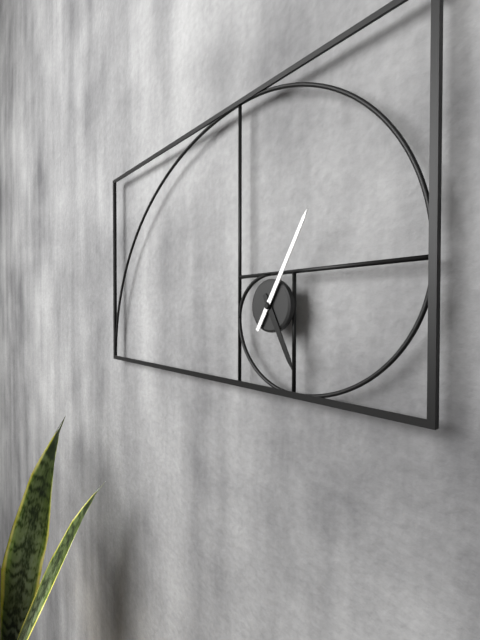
5 h 05 min
